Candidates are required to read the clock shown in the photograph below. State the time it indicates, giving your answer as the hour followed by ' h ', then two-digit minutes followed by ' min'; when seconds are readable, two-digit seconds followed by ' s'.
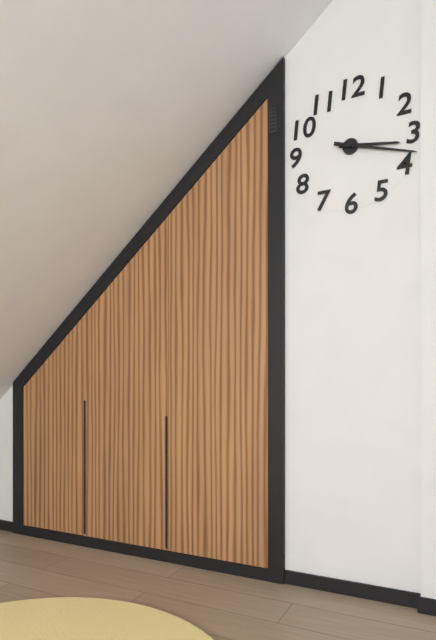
3 h 18 min
